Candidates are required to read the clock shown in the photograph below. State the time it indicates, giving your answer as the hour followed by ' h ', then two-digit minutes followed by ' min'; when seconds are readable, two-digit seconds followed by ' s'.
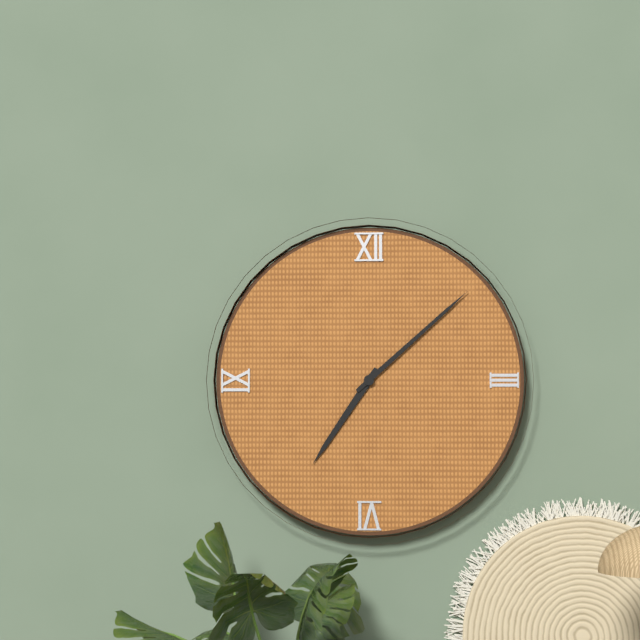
7 h 08 min
